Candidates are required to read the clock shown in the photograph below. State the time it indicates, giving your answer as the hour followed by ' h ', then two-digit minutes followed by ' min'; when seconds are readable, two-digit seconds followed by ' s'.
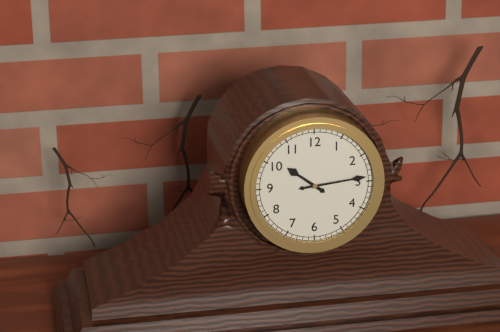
10 h 14 min
